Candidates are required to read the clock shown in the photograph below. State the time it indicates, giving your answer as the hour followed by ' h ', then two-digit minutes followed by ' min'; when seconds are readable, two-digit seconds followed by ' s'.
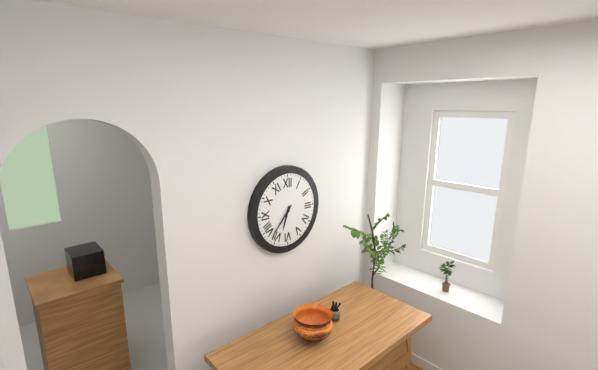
6 h 37 min
